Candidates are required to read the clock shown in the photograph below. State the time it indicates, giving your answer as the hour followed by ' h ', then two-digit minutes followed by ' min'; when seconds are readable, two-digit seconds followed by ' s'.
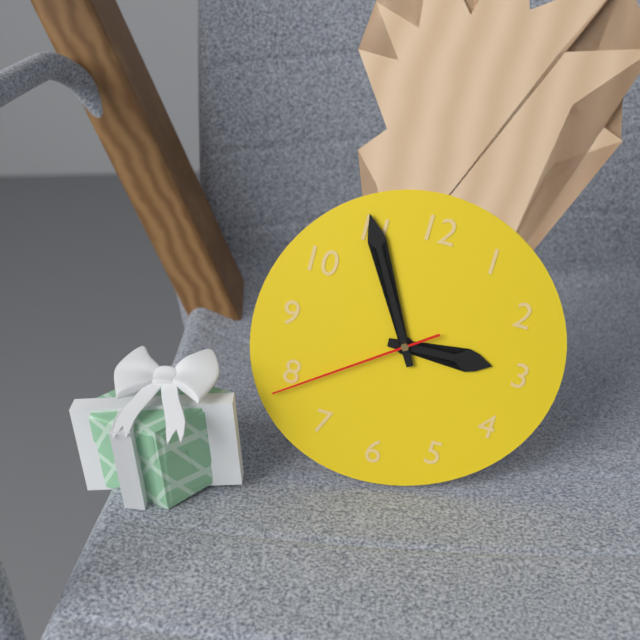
2 h 55 min 39 s
